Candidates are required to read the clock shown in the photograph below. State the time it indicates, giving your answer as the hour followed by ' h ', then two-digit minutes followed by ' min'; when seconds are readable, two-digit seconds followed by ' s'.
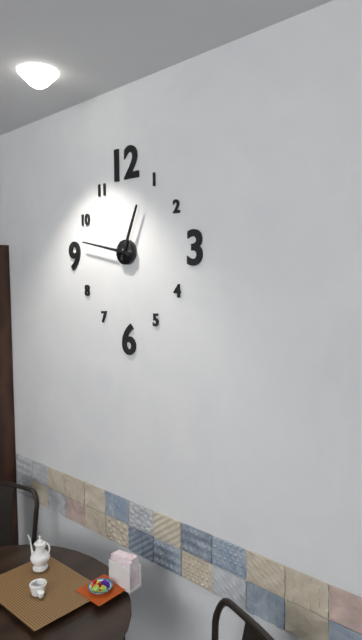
12 h 47 min
